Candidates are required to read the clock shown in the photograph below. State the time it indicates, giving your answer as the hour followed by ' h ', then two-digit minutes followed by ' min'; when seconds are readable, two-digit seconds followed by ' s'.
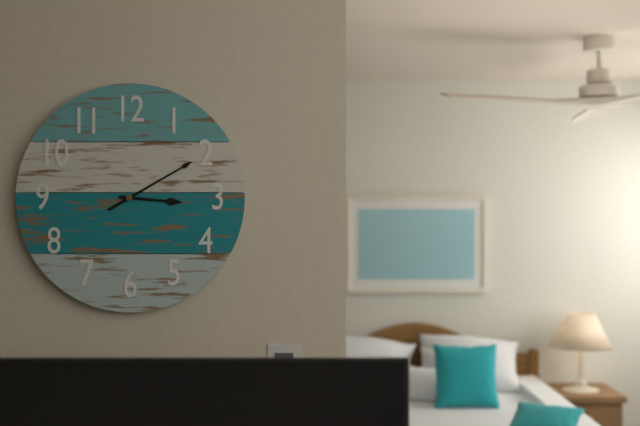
3 h 10 min
